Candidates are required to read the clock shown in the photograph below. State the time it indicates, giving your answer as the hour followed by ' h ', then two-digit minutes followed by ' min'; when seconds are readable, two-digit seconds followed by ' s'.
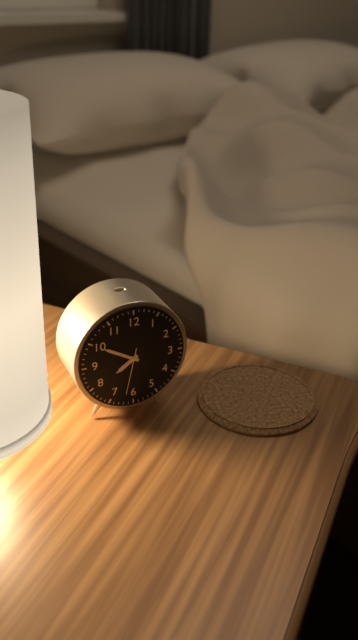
7 h 50 min
